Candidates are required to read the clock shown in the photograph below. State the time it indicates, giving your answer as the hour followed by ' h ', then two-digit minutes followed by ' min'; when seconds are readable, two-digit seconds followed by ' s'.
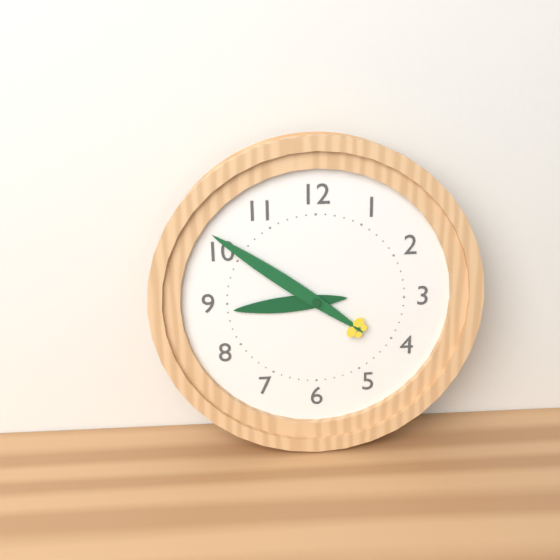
8 h 51 min
